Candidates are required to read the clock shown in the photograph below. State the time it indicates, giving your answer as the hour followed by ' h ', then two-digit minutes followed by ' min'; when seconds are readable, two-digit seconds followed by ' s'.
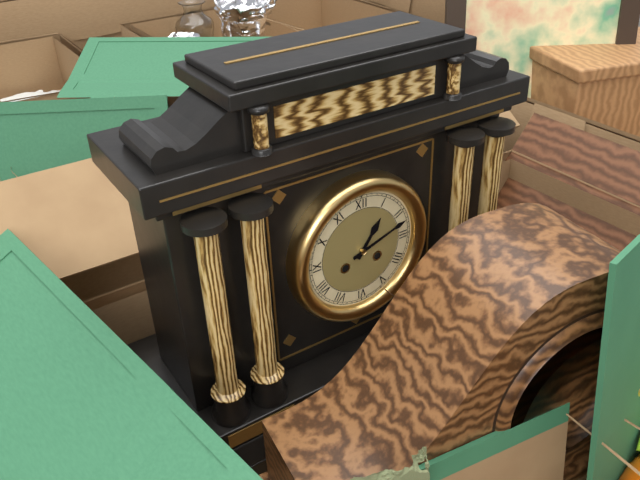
1 h 12 min
